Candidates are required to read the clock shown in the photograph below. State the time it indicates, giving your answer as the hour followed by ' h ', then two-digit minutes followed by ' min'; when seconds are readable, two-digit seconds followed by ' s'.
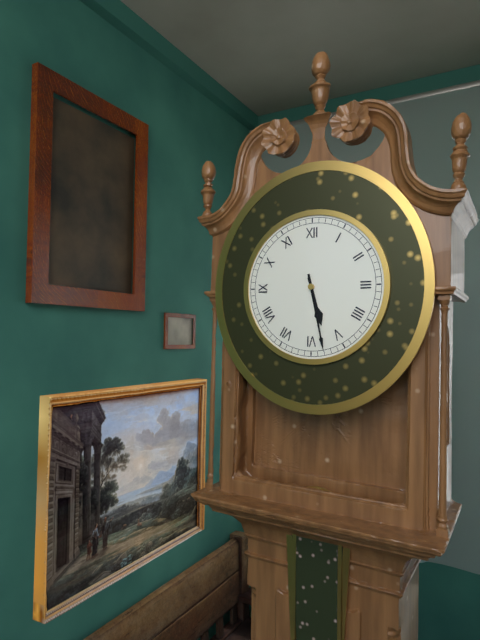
5 h 28 min
